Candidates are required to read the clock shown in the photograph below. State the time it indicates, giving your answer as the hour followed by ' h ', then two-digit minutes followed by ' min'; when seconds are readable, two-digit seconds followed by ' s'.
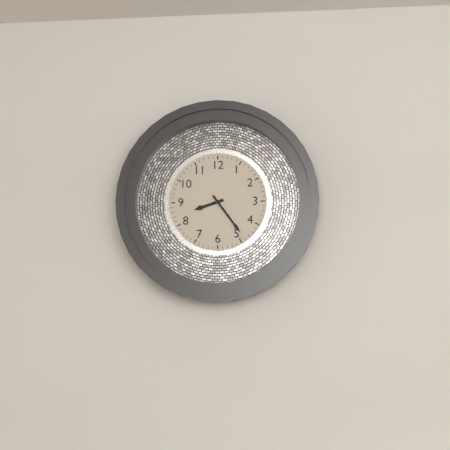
8 h 24 min
